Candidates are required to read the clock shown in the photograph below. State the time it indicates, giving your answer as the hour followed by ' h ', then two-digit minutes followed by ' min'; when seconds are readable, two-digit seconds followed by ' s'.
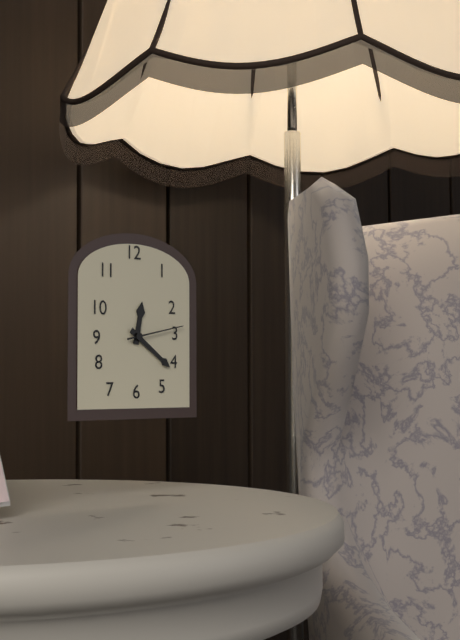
12 h 21 min 13 s
